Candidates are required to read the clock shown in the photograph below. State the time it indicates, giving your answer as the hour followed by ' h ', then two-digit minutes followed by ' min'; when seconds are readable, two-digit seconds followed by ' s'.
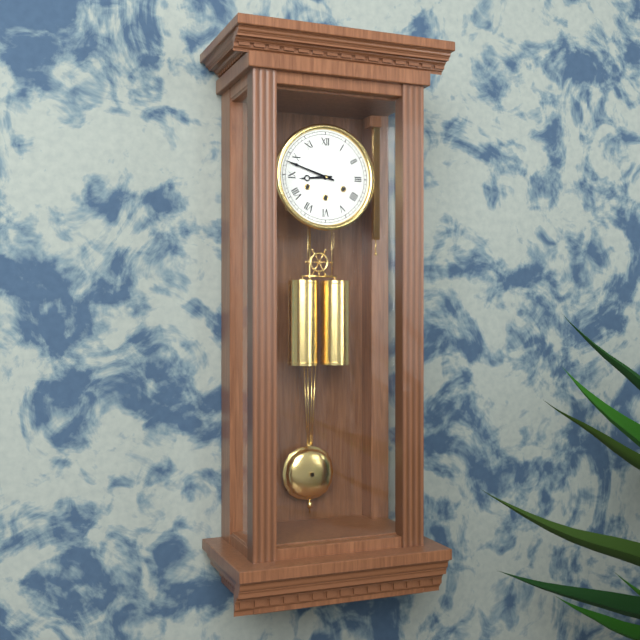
8 h 48 min
